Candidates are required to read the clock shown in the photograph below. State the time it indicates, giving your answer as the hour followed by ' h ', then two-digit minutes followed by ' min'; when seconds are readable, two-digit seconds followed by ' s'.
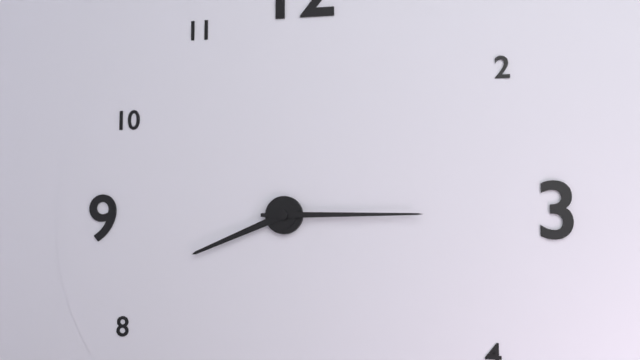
8 h 15 min
